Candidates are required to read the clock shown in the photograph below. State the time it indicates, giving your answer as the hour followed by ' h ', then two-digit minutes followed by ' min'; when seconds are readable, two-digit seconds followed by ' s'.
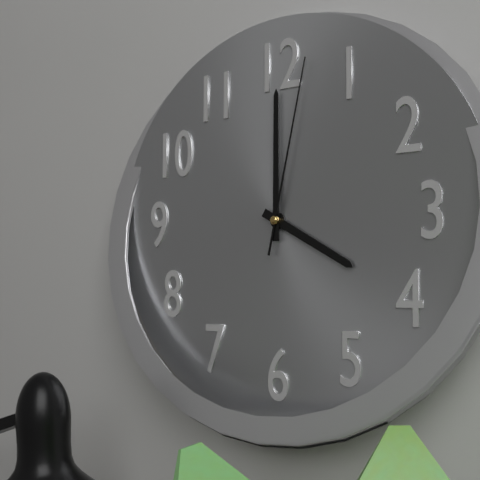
4 h 00 min 02 s
